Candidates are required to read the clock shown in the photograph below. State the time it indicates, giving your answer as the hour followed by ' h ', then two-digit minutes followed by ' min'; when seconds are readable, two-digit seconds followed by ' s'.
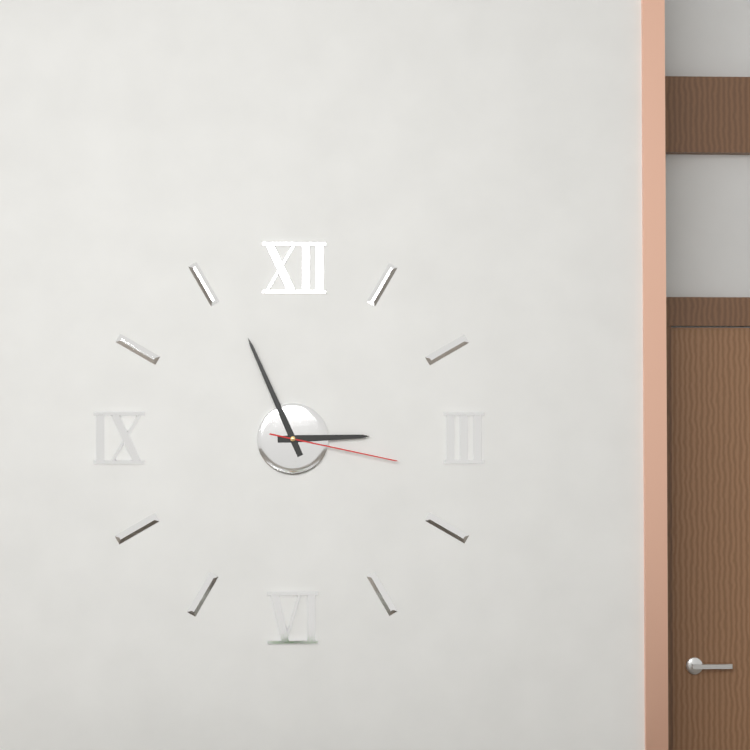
2 h 56 min 17 s
